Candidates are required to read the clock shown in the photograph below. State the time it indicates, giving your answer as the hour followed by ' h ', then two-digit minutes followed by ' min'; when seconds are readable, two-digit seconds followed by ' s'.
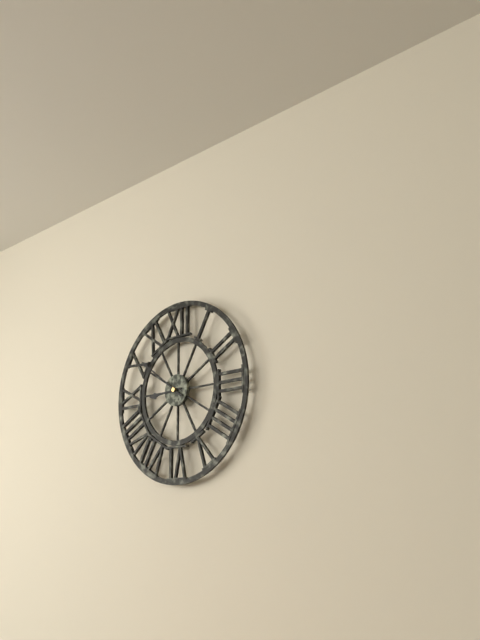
8 h 51 min
